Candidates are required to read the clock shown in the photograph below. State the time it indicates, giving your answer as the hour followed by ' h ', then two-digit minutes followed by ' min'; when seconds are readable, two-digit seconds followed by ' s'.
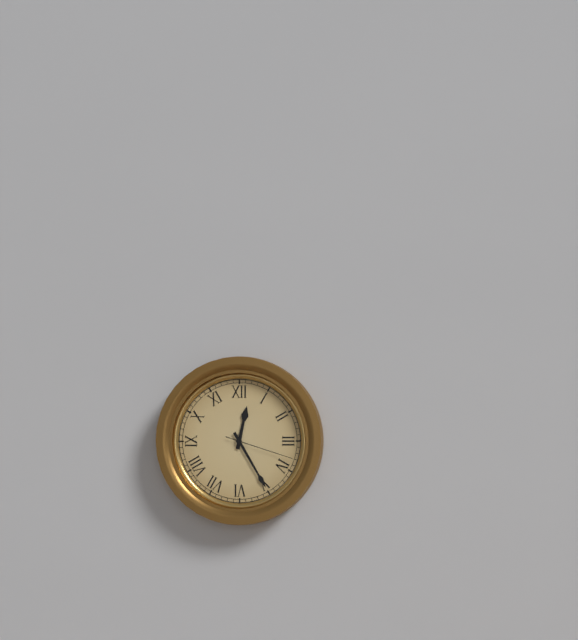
12 h 25 min 18 s
